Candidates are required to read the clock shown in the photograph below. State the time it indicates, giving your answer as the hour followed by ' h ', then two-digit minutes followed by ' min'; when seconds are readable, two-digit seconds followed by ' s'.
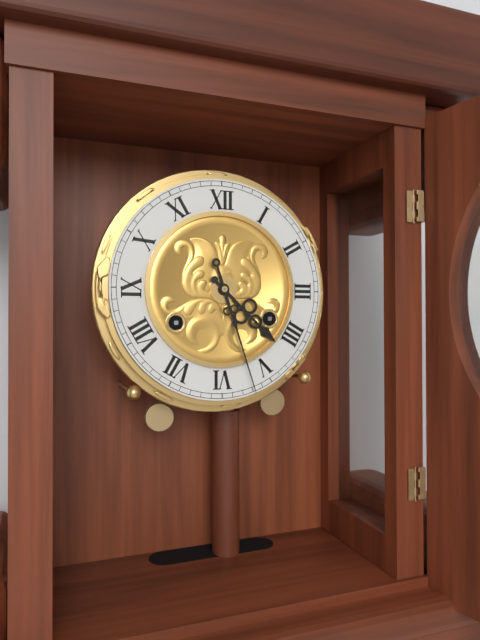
4 h 27 min
